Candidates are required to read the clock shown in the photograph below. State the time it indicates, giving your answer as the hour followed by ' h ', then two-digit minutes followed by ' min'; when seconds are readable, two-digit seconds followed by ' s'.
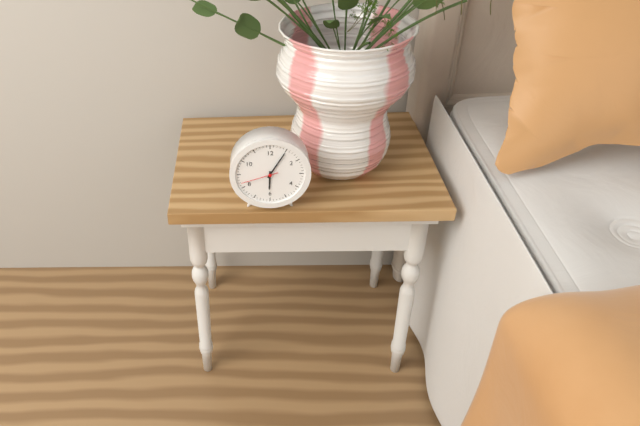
6 h 05 min
